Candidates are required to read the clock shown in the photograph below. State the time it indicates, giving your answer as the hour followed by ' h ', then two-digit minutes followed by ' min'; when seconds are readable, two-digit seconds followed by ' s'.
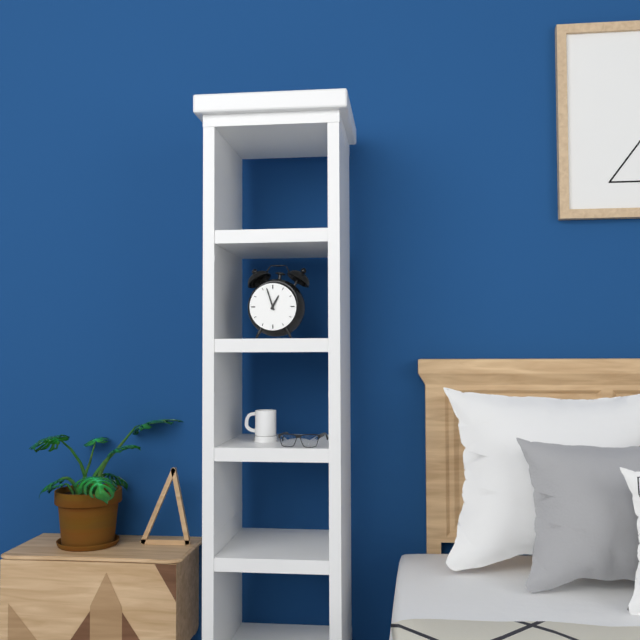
12 h 57 min
